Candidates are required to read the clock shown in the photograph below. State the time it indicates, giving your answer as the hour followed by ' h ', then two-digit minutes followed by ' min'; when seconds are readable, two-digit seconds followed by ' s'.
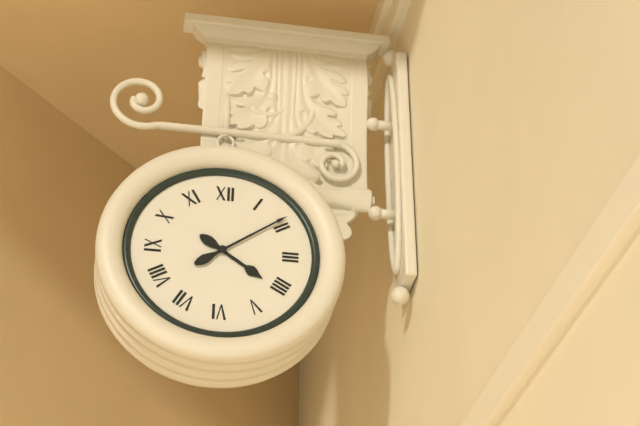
4 h 09 min
